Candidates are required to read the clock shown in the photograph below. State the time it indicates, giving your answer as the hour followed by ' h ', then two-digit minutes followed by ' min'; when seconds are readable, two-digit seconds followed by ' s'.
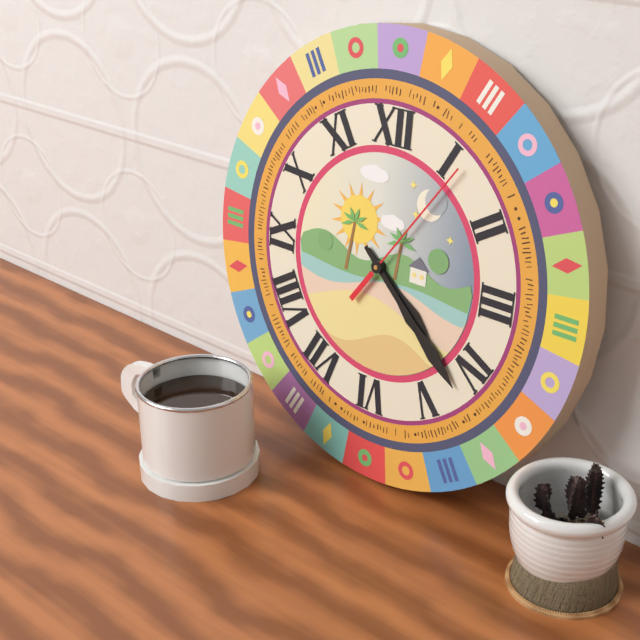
4 h 22 min 06 s
